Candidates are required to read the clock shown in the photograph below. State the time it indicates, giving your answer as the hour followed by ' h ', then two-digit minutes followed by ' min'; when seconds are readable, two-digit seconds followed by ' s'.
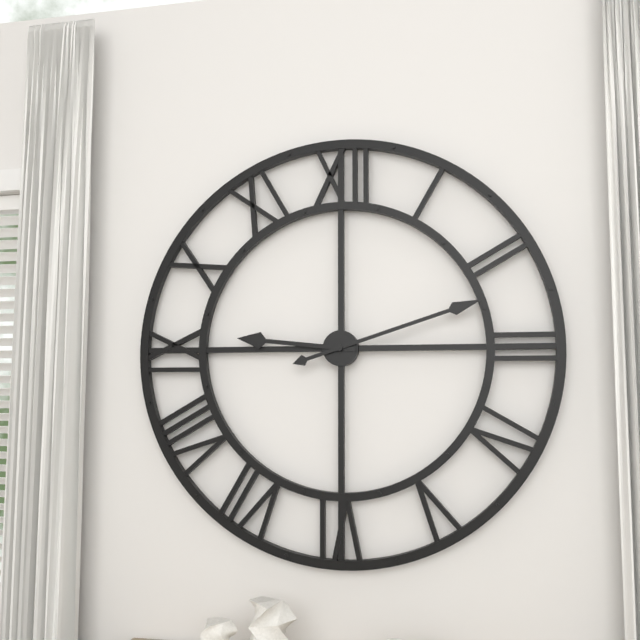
9 h 12 min
